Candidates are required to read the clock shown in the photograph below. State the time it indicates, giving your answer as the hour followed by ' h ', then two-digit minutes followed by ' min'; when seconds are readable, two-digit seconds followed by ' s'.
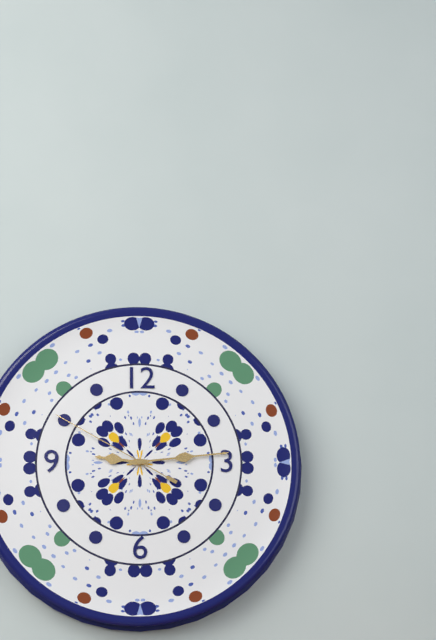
9 h 14 min 50 s
